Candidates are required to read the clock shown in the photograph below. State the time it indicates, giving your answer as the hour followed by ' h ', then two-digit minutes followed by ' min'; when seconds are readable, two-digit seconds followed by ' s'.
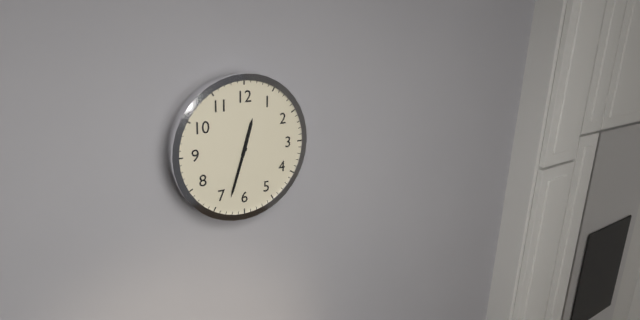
12 h 33 min
